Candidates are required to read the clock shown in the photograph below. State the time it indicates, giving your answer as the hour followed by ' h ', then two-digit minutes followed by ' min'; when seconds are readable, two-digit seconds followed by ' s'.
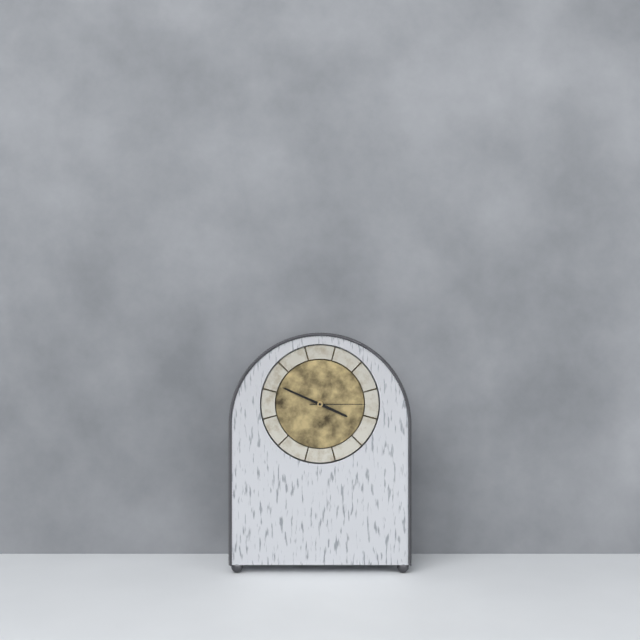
3 h 49 min 15 s
